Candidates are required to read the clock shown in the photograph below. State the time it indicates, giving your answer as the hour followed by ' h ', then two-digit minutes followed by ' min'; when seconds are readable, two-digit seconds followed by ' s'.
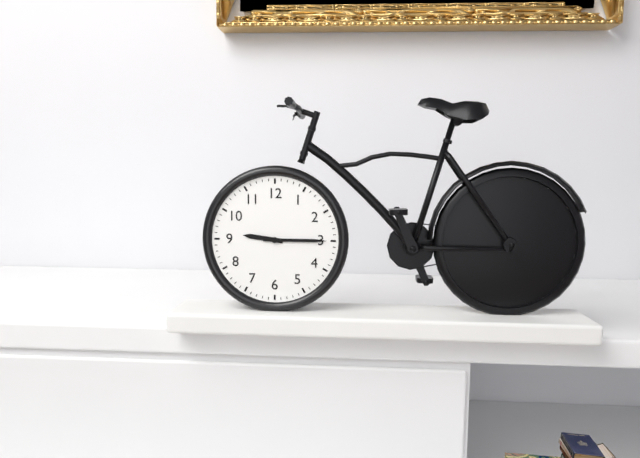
9 h 15 min
